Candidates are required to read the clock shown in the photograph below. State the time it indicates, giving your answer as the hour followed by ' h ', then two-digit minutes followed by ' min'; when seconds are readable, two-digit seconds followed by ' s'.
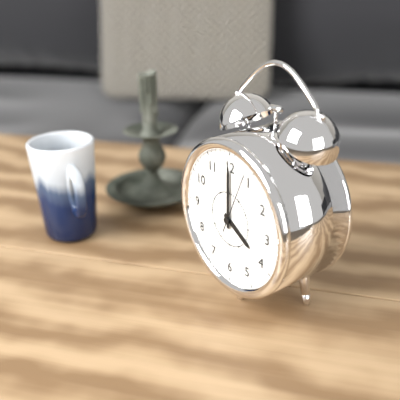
4 h 00 min 04 s
